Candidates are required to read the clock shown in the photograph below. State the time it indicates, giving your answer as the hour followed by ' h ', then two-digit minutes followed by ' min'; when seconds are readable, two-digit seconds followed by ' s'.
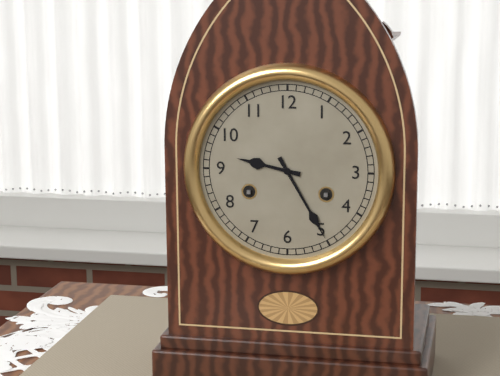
9 h 25 min
